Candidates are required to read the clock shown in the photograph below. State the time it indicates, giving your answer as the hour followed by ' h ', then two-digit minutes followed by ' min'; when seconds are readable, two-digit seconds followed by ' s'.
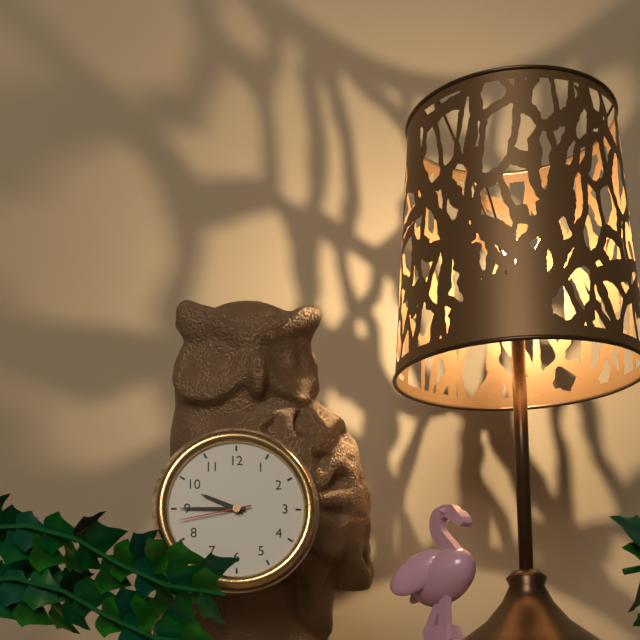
9 h 45 min 43 s
